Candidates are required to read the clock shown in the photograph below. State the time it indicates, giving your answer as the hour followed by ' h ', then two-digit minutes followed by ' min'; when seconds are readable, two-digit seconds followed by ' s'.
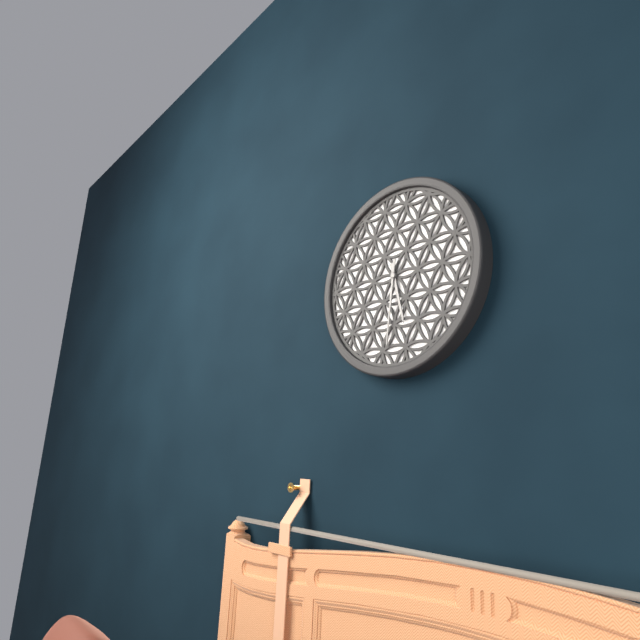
5 h 31 min
